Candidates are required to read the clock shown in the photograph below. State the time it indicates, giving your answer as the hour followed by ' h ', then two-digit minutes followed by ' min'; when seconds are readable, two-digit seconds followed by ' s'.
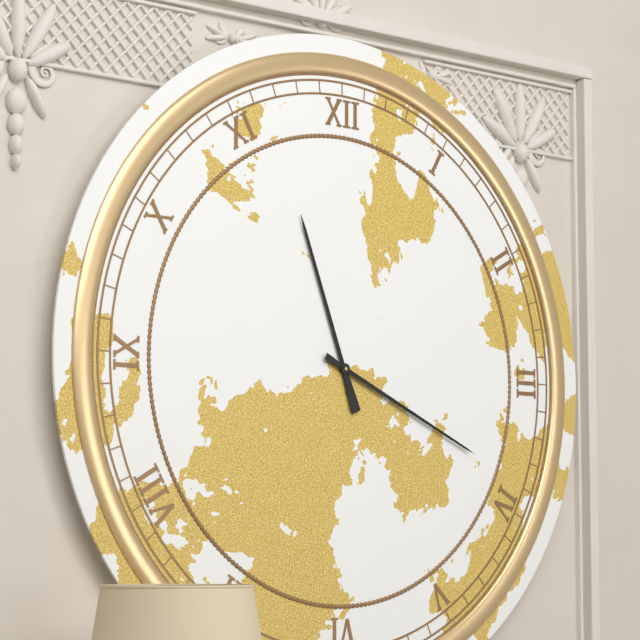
11 h 19 min
